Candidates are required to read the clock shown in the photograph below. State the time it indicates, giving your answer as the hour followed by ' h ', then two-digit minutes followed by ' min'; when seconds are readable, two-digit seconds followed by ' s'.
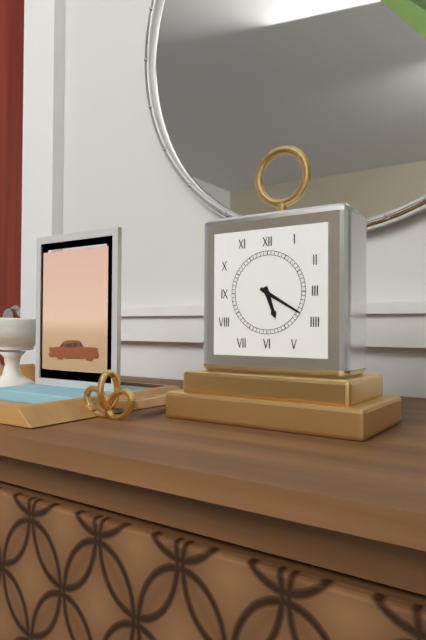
5 h 20 min
